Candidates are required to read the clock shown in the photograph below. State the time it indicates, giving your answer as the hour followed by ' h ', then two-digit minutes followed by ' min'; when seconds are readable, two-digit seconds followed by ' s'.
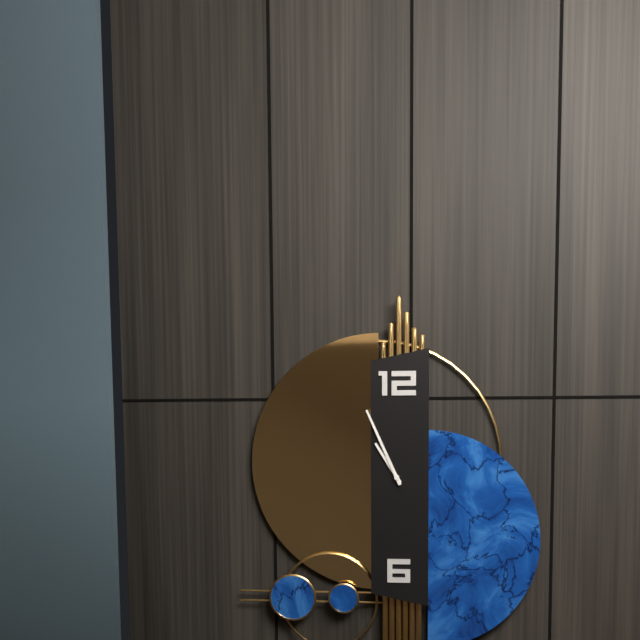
10 h 56 min
